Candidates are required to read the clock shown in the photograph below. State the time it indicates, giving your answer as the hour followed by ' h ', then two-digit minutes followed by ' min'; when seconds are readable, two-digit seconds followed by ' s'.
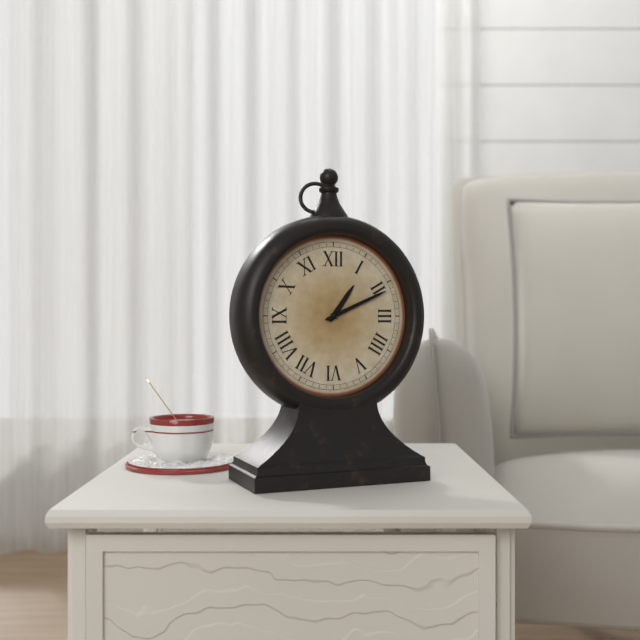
1 h 11 min
